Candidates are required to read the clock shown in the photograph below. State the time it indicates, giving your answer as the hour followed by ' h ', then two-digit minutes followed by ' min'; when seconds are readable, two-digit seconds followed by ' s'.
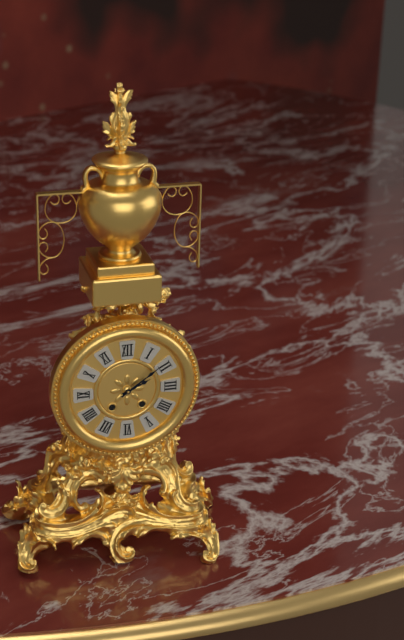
2 h 09 min
